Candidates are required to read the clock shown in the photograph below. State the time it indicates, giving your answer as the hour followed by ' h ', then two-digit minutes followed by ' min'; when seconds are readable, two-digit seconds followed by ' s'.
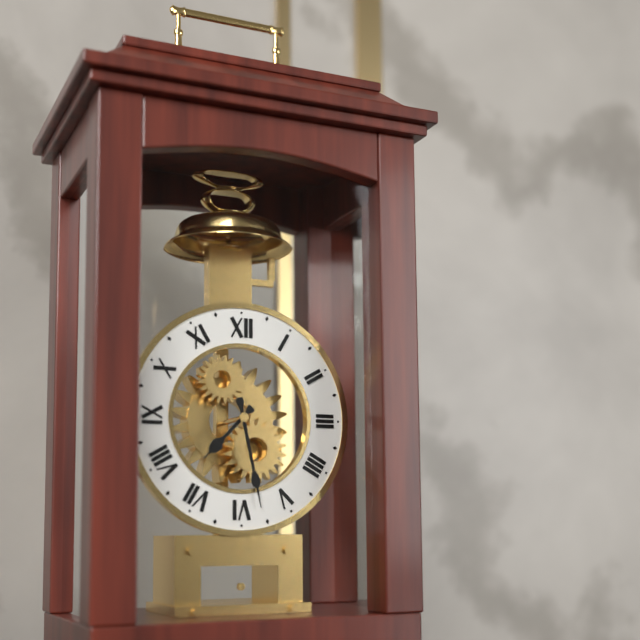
7 h 28 min
